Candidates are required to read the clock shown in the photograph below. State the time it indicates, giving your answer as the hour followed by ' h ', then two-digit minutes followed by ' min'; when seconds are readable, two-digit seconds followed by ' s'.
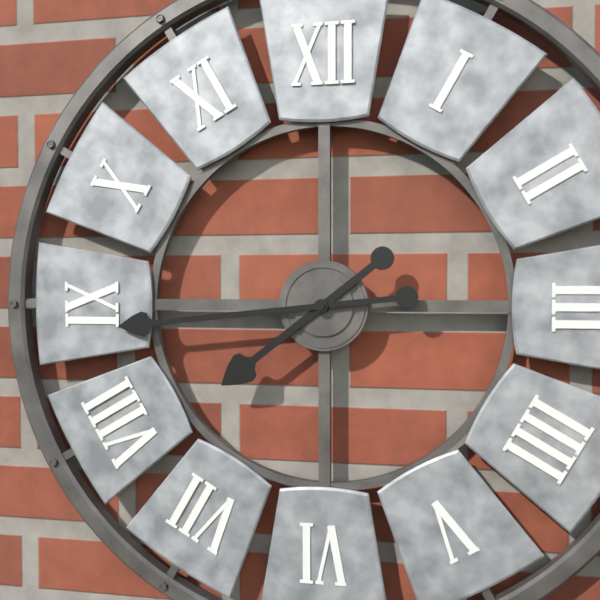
7 h 44 min
